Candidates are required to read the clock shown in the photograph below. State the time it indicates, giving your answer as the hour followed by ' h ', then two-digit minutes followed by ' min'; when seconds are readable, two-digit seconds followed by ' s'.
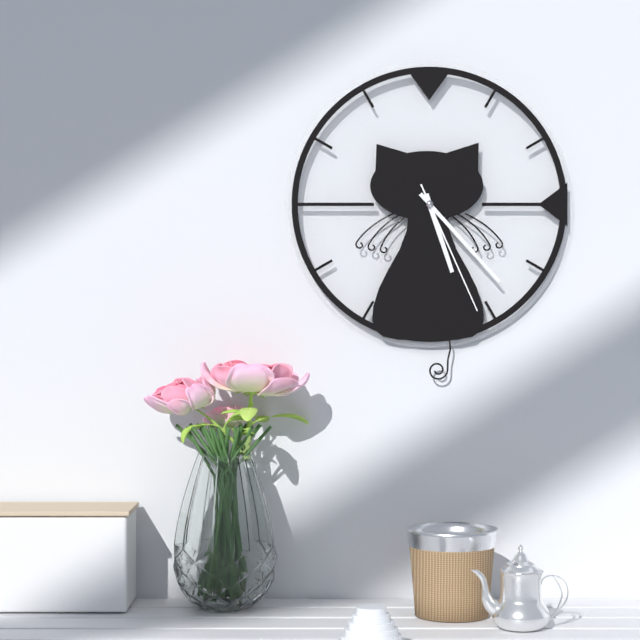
5 h 23 min 26 s
